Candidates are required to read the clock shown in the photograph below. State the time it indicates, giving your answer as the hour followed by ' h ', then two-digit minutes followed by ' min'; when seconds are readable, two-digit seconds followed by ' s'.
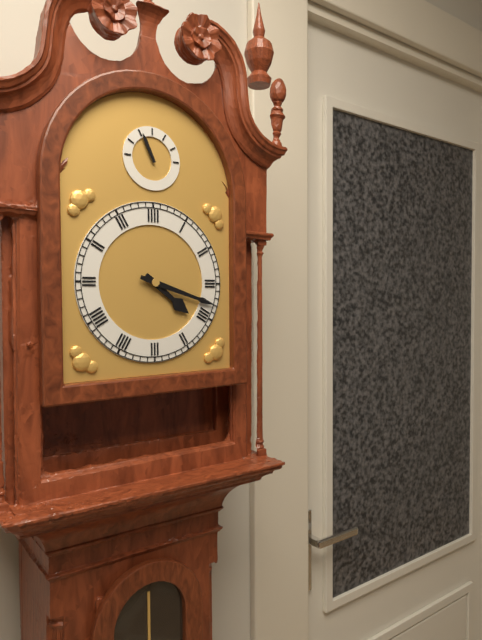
4 h 18 min
